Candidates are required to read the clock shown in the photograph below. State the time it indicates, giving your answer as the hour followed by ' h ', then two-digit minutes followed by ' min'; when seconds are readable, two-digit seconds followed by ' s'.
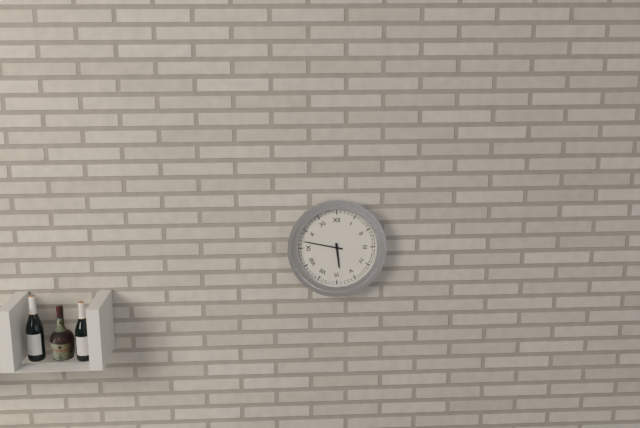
5 h 47 min
